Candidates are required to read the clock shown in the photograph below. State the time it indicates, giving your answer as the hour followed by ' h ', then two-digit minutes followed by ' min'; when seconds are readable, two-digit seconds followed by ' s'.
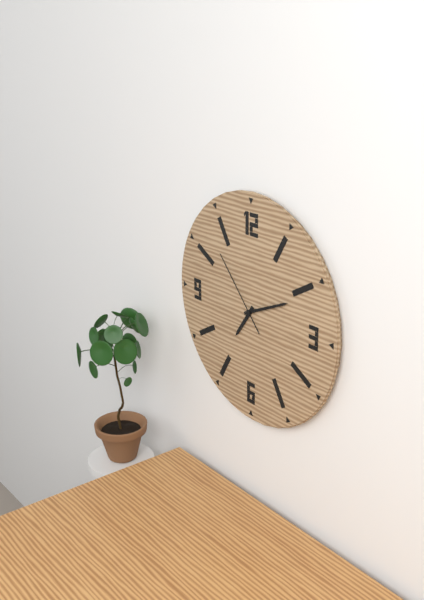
7 h 11 min 53 s
